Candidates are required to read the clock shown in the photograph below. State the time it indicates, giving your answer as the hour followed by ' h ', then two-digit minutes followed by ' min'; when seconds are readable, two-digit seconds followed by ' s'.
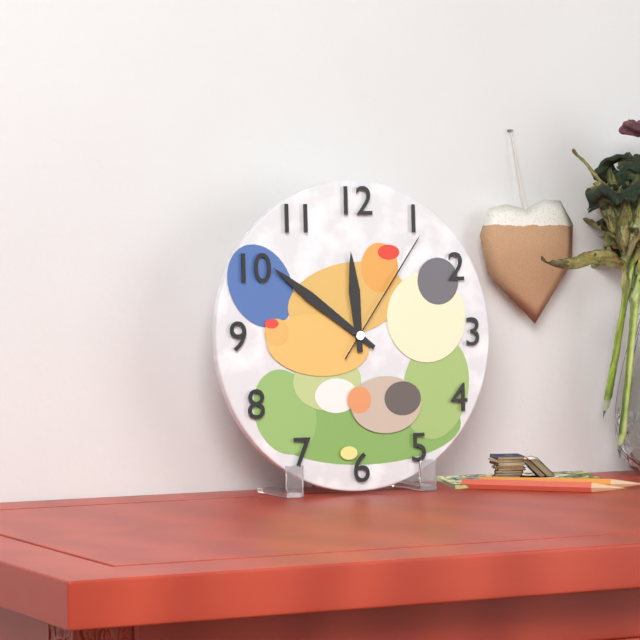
11 h 51 min 06 s
